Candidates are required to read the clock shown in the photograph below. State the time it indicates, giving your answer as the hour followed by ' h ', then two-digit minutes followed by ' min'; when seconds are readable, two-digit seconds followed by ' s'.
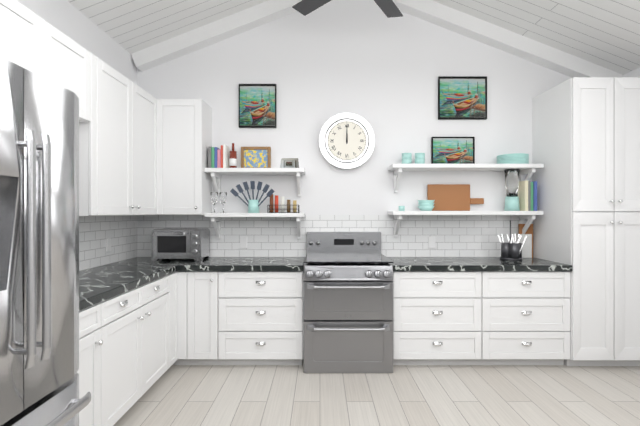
12 h 00 min
